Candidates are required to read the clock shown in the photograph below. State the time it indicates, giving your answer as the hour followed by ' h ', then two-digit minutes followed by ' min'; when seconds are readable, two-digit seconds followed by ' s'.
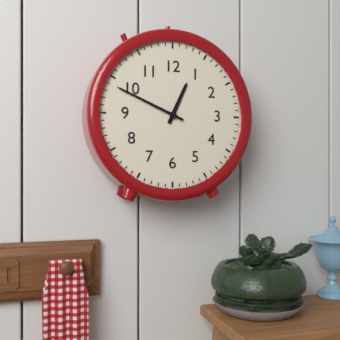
12 h 49 min
